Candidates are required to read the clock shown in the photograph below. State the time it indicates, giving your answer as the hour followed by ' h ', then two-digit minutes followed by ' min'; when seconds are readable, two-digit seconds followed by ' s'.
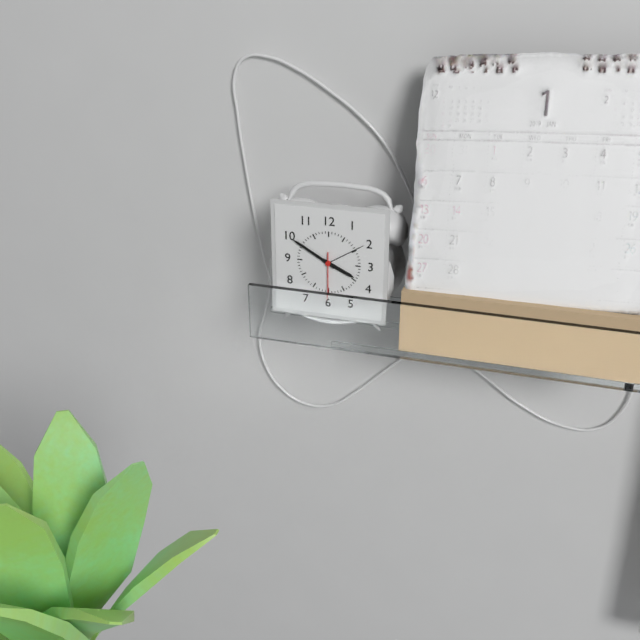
3 h 50 min
